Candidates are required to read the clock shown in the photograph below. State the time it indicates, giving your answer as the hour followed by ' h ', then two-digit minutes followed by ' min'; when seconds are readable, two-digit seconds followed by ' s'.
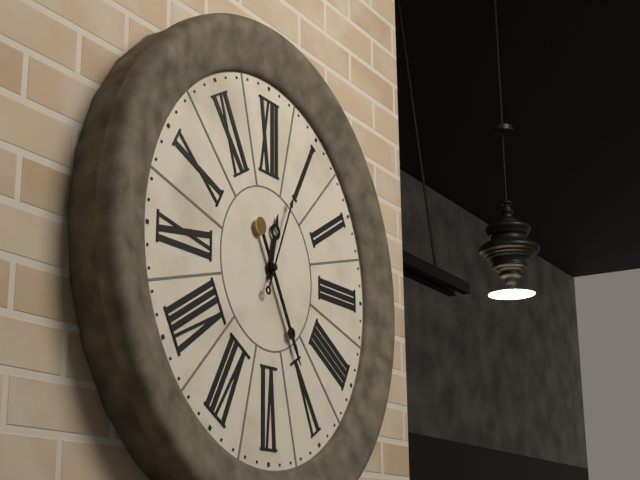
12 h 25 min 04 s
